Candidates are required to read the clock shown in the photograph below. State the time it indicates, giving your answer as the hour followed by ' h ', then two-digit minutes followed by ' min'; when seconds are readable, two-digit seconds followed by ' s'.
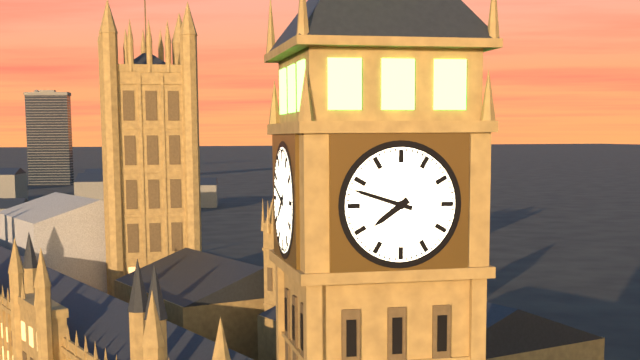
7 h 48 min
